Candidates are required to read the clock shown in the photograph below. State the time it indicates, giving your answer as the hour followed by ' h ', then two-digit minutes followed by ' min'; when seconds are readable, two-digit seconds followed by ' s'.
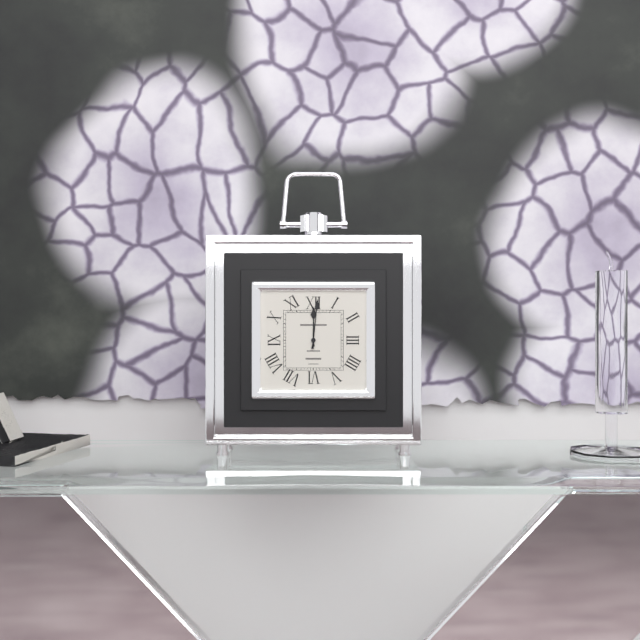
12 h 01 min
